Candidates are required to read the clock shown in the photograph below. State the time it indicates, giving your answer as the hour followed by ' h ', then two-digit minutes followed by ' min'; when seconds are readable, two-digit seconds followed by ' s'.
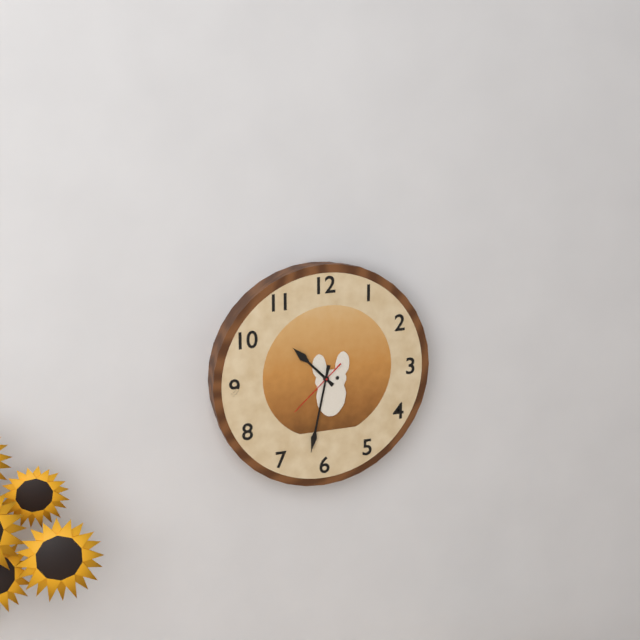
10 h 32 min 38 s
